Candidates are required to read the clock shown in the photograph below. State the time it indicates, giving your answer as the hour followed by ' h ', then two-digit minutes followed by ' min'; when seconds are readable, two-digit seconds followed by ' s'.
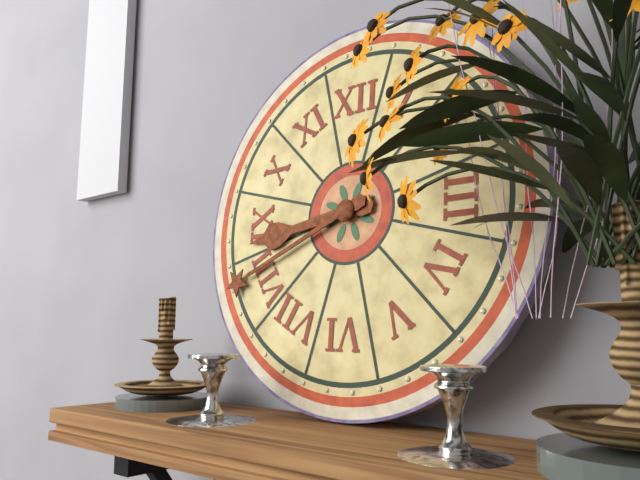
8 h 41 min
